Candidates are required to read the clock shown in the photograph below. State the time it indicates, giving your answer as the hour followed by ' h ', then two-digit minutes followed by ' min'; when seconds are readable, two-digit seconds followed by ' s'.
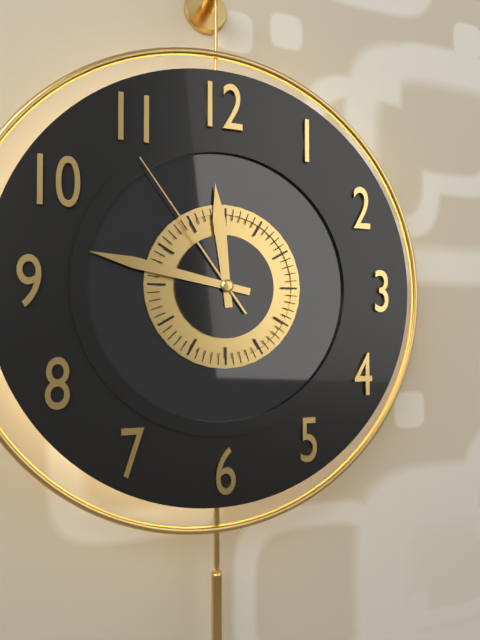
11 h 47 min 54 s
